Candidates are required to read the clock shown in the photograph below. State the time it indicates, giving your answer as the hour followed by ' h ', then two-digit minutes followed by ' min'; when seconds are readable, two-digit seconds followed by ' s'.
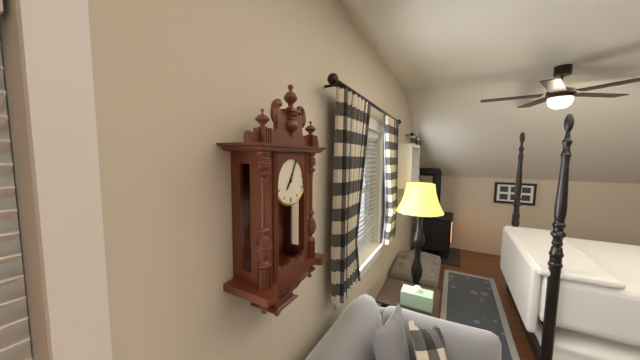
7 h 04 min
